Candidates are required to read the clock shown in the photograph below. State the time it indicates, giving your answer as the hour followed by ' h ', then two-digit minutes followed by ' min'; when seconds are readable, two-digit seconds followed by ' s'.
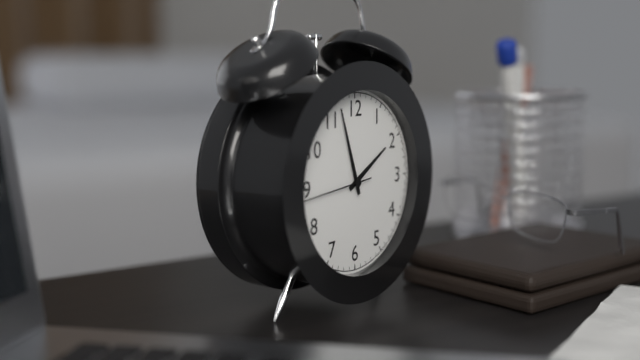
1 h 57 min 44 s
